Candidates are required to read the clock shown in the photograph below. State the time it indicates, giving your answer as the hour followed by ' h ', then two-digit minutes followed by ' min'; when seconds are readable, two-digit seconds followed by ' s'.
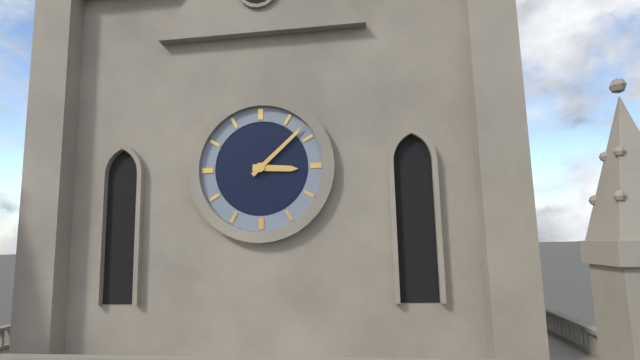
3 h 08 min
